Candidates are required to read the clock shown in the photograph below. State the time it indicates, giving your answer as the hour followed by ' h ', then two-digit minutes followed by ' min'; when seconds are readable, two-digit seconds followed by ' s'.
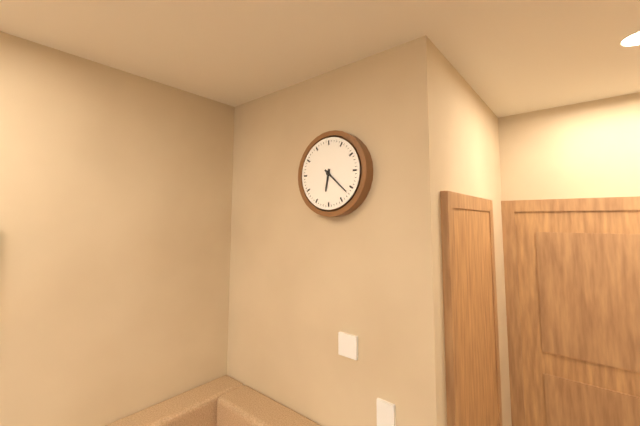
6 h 22 min
